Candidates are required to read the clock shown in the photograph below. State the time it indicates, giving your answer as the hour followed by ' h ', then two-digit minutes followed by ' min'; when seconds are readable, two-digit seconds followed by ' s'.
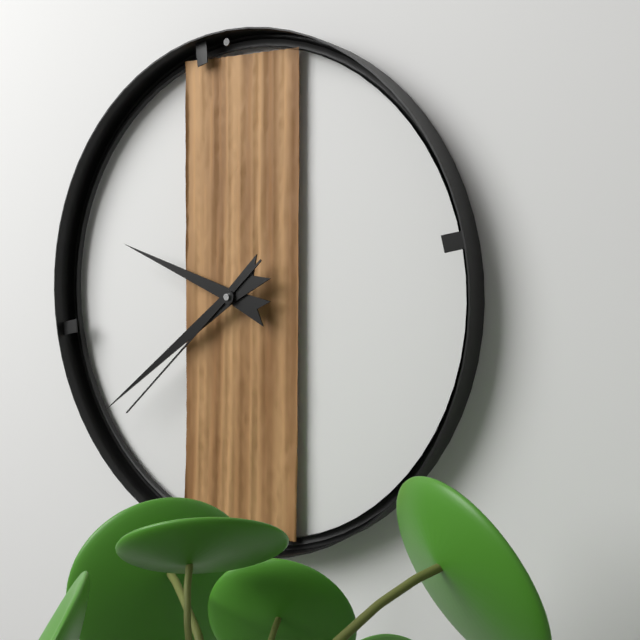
9 h 39 min 38 s
